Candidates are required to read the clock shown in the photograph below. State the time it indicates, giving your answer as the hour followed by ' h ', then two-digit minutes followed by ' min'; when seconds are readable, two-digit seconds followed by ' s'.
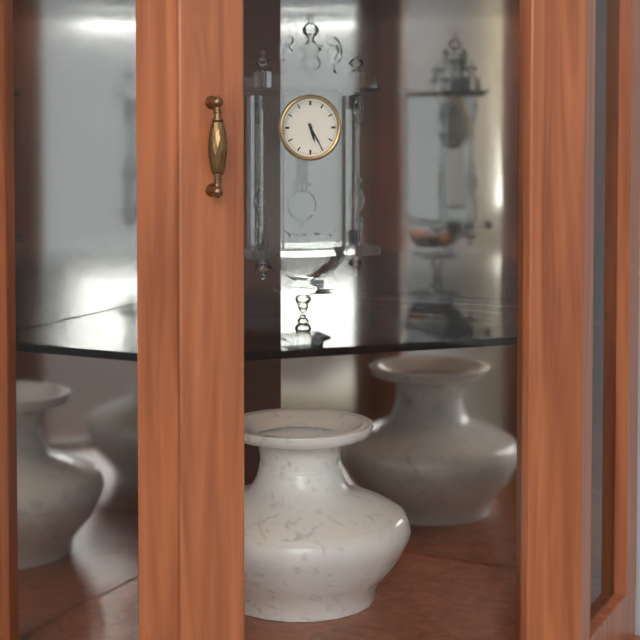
5 h 25 min
